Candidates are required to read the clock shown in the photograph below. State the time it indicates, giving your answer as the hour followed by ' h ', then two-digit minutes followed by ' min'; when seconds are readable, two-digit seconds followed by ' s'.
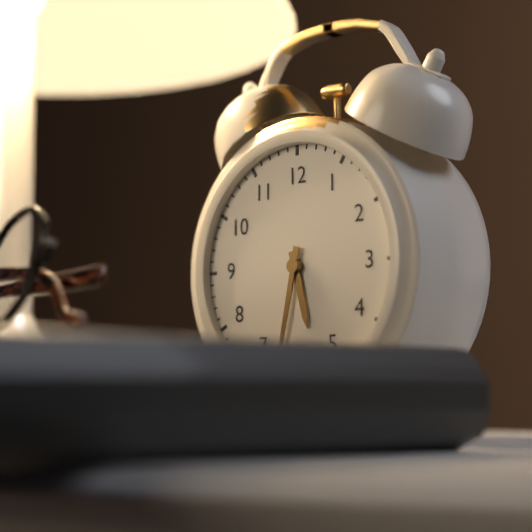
5 h 32 min
